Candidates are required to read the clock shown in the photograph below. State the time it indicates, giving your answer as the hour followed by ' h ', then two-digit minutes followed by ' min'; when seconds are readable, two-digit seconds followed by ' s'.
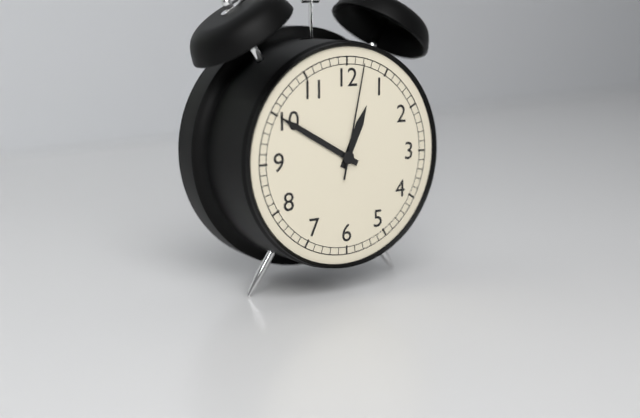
12 h 50 min 02 s
